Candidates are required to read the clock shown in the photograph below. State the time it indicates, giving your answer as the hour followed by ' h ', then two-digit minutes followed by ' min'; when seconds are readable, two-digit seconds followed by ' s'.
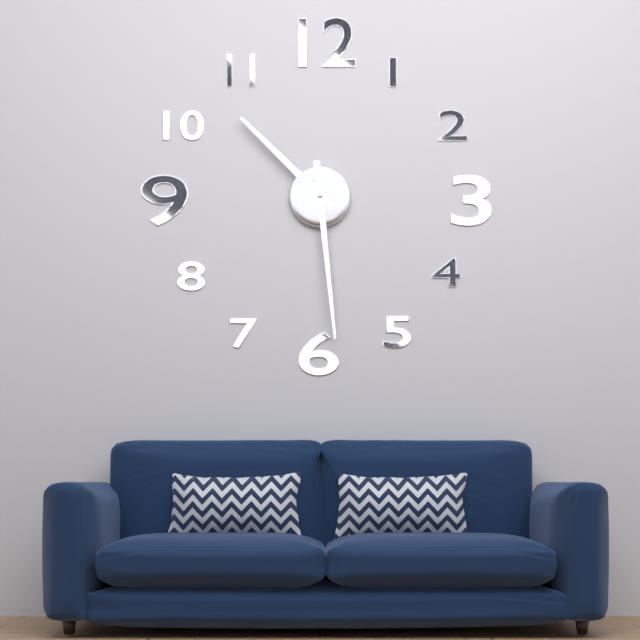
10 h 29 min
